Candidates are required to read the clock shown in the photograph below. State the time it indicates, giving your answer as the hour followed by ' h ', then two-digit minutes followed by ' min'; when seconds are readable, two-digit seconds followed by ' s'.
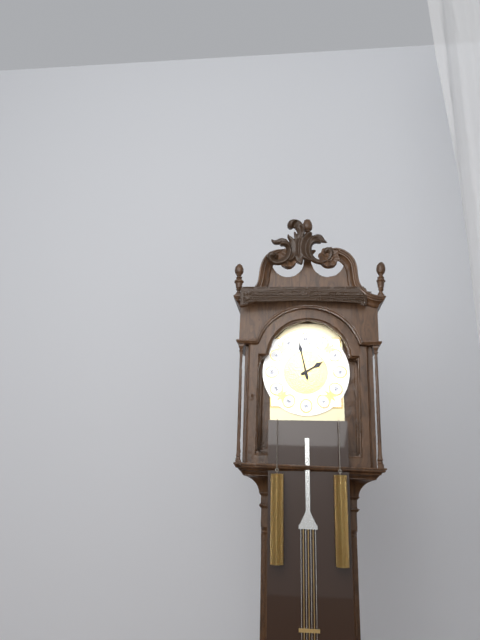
1 h 58 min
